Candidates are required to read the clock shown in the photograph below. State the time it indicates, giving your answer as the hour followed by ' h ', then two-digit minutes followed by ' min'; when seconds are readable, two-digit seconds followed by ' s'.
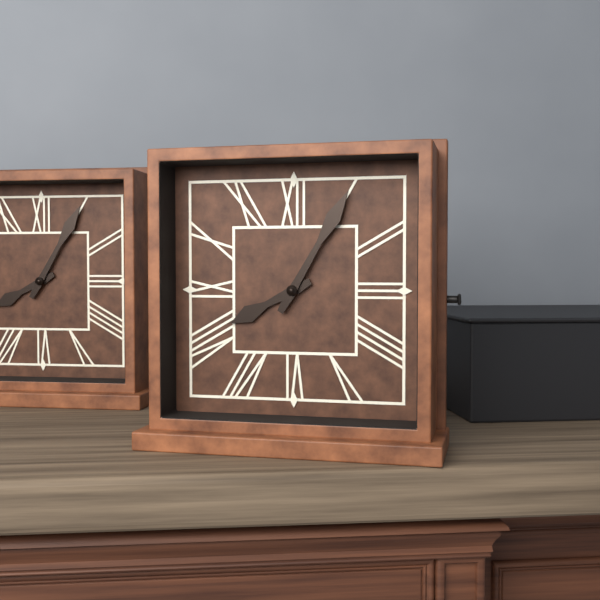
8 h 05 min
